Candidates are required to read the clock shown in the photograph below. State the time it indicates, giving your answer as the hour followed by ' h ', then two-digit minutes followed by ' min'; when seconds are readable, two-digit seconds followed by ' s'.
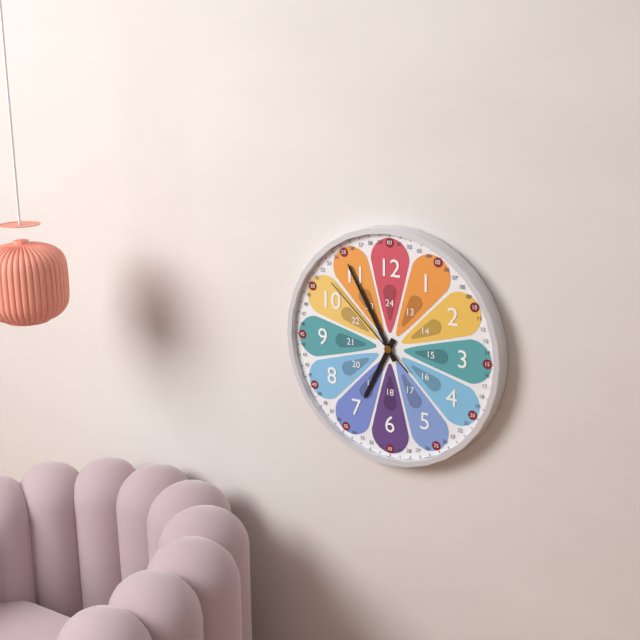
6 h 55 min 52 s
